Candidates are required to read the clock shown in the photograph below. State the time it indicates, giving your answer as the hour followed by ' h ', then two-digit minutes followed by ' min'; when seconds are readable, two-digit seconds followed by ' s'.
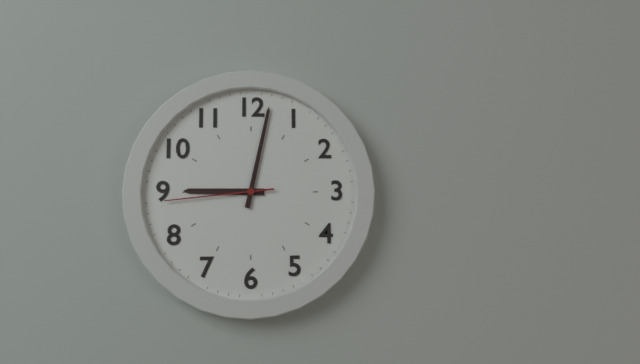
9 h 02 min 44 s
